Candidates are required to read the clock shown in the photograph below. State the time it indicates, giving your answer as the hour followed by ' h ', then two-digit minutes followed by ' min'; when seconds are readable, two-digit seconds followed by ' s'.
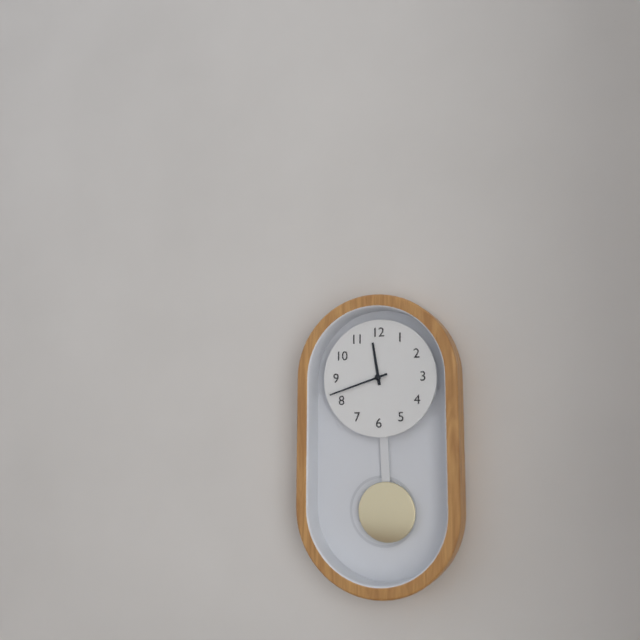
11 h 42 min
